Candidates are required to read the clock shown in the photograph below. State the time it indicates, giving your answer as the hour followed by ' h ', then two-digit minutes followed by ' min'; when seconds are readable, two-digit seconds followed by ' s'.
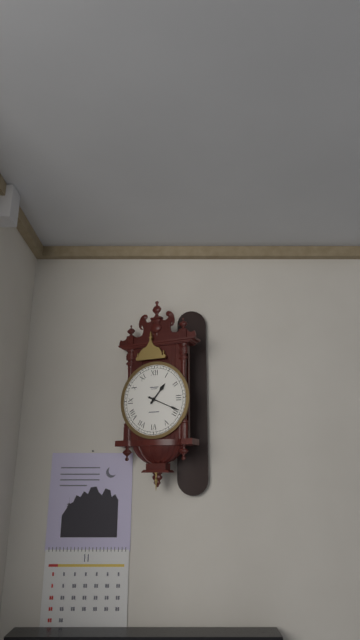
1 h 19 min
